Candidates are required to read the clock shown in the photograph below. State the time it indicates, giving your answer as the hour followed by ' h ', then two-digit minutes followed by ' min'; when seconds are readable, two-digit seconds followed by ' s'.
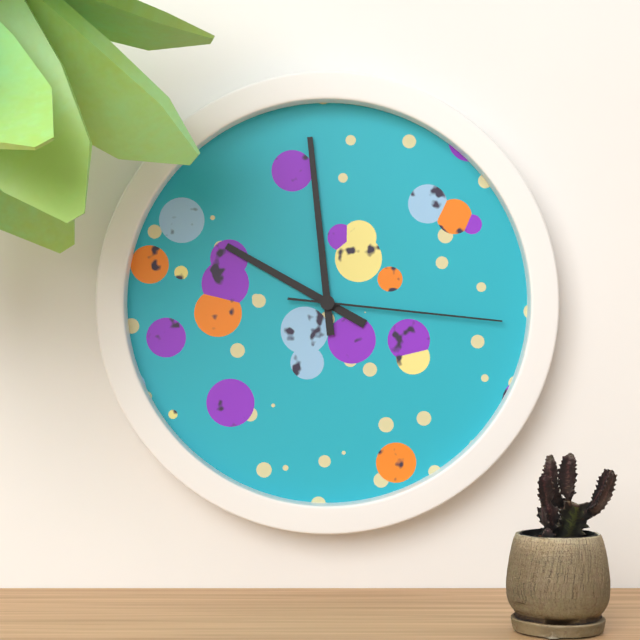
9 h 59 min 16 s
